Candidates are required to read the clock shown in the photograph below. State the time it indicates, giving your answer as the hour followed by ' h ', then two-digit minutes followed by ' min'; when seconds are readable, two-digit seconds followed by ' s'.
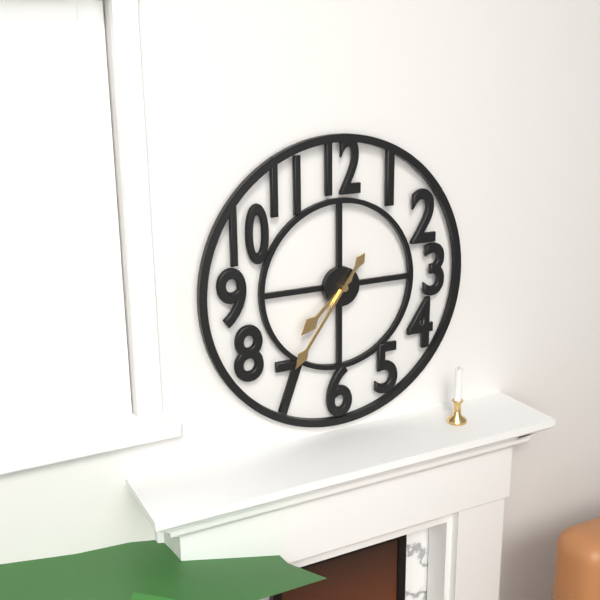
7 h 36 min
